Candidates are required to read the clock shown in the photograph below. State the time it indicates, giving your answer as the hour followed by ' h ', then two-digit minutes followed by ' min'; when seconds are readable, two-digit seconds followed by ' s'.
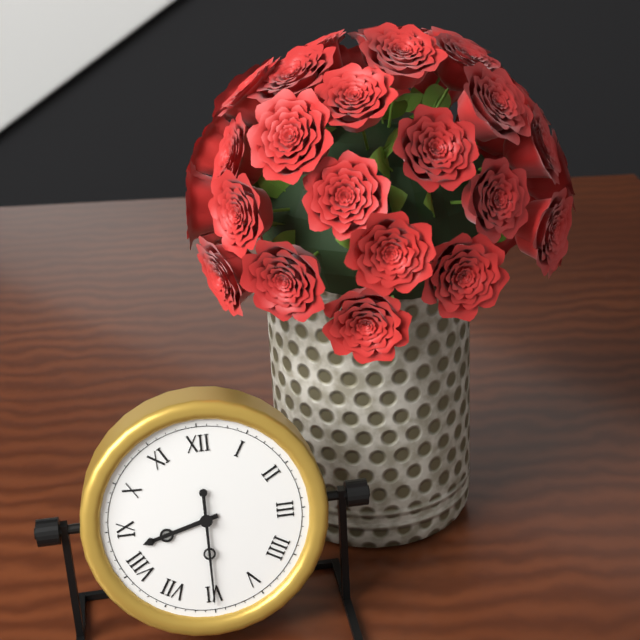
8 h 30 min
